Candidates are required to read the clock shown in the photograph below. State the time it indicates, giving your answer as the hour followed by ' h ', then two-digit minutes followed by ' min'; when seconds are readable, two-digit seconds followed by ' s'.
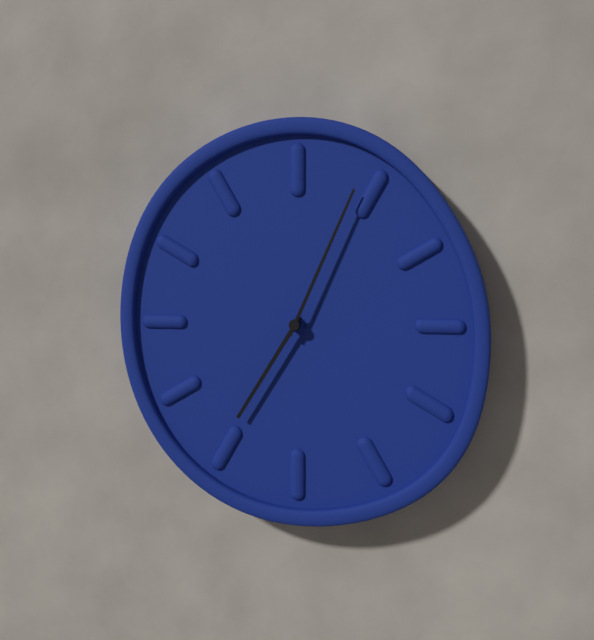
7 h 04 min
